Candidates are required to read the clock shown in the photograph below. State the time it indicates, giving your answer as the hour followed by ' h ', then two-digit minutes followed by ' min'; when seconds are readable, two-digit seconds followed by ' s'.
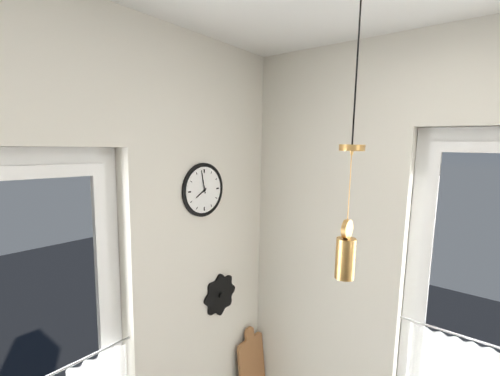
7 h 58 min
